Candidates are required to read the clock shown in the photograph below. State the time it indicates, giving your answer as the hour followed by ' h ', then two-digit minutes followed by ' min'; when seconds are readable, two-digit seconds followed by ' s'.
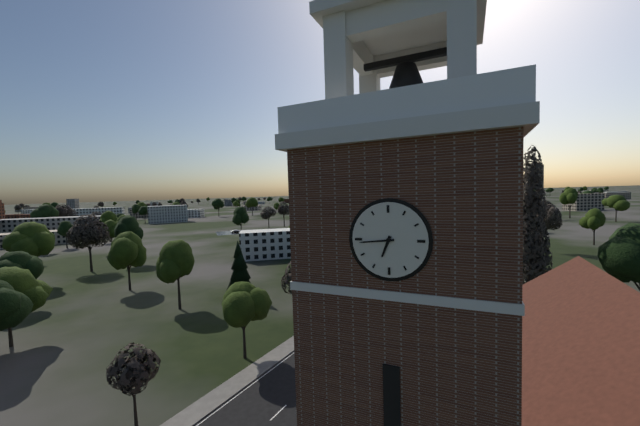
6 h 44 min
